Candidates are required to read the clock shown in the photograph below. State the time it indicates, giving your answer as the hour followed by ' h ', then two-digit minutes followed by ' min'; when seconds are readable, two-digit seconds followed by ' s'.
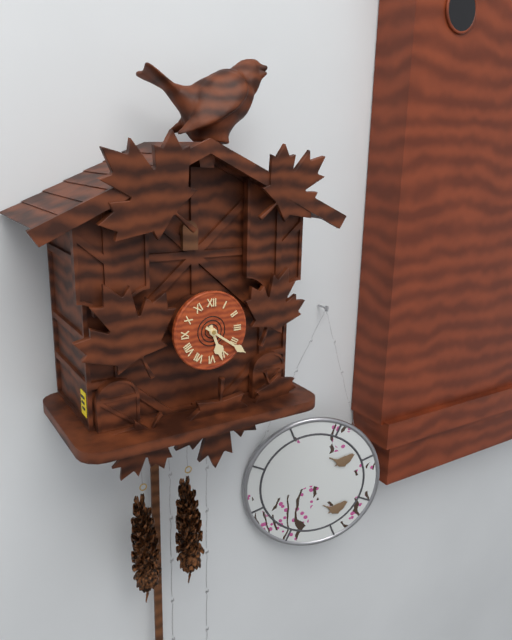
5 h 21 min
